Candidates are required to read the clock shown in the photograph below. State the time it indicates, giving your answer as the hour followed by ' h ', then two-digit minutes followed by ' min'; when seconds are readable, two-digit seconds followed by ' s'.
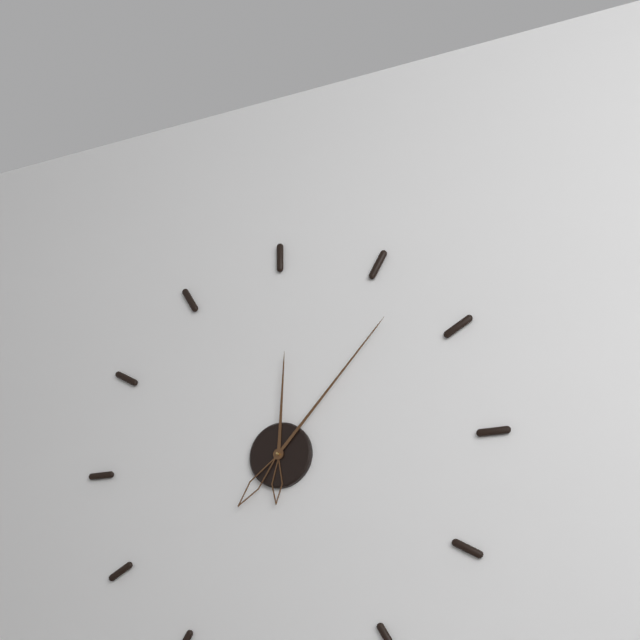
12 h 07 min
